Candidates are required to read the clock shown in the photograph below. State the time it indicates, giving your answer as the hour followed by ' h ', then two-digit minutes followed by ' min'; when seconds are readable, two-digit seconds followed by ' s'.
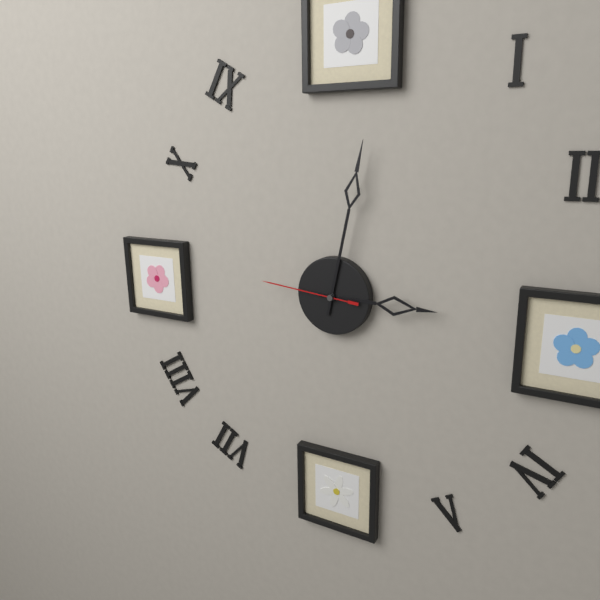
3 h 02 min 46 s
